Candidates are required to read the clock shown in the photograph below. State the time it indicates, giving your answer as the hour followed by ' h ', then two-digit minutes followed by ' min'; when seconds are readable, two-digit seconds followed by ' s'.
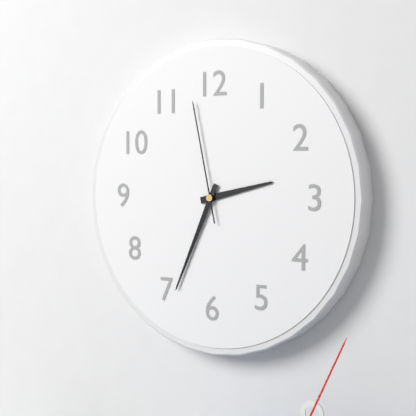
2 h 34 min 58 s
